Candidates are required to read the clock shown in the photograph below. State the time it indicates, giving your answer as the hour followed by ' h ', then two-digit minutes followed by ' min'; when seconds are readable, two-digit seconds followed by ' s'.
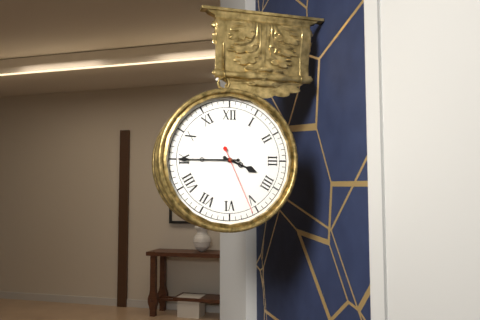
3 h 45 min 26 s
